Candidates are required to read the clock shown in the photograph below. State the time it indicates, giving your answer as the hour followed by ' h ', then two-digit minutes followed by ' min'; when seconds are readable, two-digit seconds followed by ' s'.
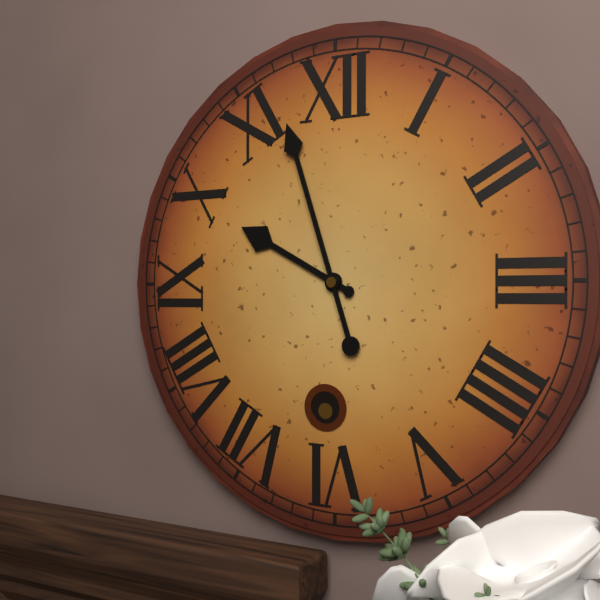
9 h 57 min
